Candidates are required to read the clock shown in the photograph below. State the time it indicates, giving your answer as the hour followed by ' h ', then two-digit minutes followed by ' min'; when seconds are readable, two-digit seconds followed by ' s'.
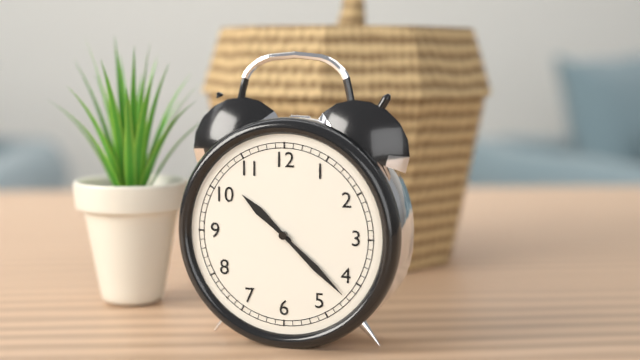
10 h 22 min
